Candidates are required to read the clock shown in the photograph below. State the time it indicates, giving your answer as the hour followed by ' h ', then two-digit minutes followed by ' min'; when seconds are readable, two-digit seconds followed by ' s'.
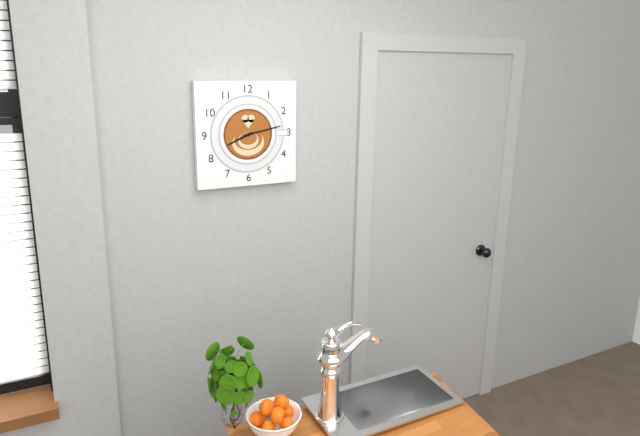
8 h 13 min
